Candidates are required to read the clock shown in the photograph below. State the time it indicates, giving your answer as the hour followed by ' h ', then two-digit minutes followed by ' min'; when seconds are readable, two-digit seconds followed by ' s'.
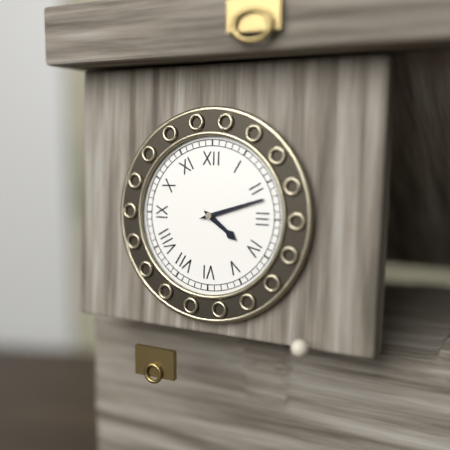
4 h 12 min
